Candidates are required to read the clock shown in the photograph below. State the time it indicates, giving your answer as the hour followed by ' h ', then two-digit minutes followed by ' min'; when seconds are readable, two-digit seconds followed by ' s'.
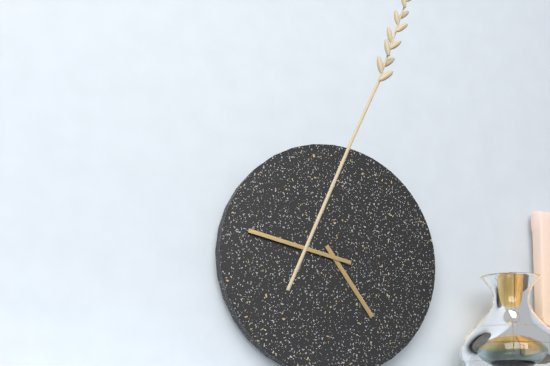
4 h 47 min
